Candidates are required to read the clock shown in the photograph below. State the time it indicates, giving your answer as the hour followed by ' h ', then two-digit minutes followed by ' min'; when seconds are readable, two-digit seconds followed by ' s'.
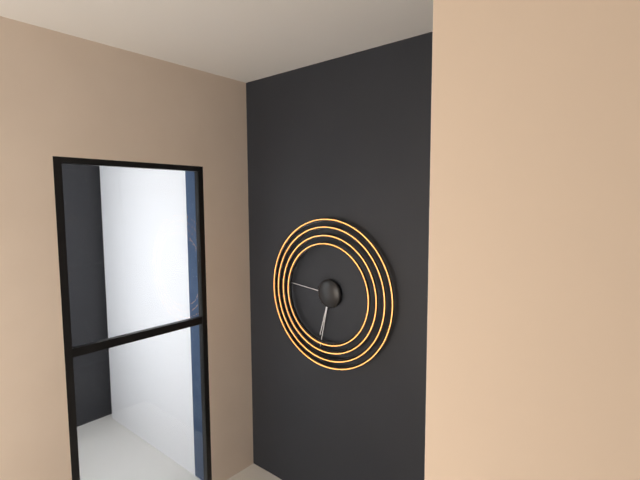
6 h 32 min 46 s
